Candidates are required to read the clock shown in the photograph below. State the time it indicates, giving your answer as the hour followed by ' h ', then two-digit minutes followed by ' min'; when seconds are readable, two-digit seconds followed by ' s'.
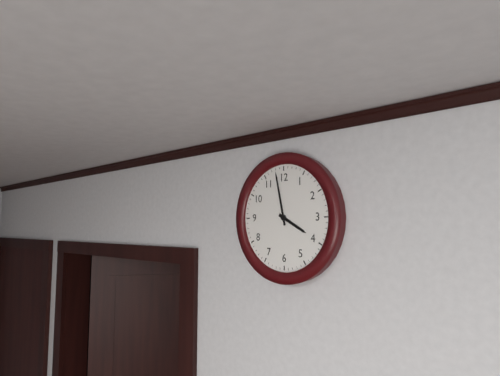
3 h 58 min
